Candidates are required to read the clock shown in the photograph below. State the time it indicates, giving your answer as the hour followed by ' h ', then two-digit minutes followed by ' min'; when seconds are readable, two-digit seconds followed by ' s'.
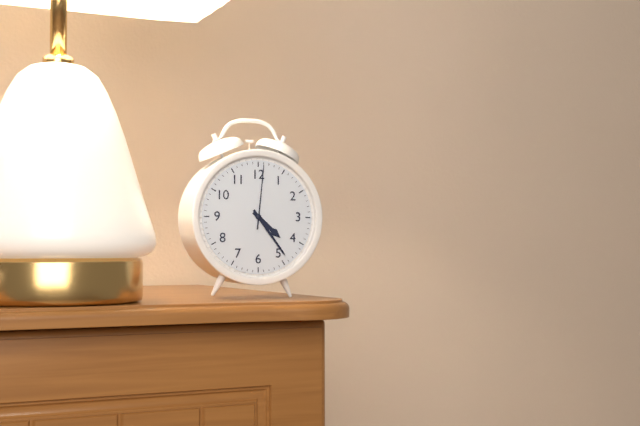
4 h 24 min 01 s
